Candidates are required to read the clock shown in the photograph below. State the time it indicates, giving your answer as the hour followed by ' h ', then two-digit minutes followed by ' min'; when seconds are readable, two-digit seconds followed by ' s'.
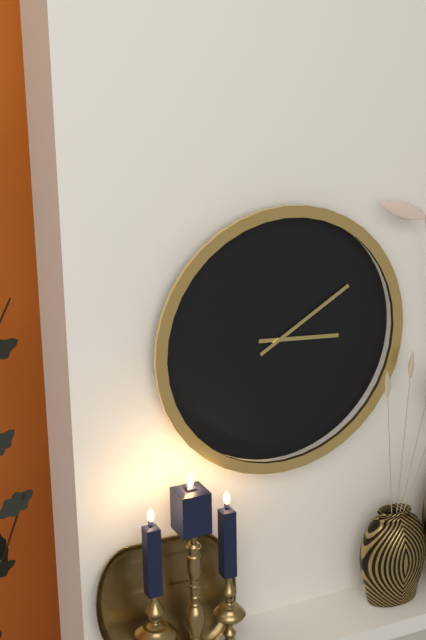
3 h 10 min
